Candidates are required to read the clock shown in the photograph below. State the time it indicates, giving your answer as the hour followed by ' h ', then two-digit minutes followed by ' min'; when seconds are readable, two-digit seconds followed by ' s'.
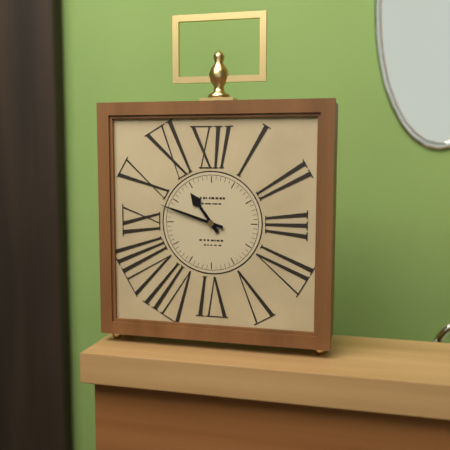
10 h 48 min
